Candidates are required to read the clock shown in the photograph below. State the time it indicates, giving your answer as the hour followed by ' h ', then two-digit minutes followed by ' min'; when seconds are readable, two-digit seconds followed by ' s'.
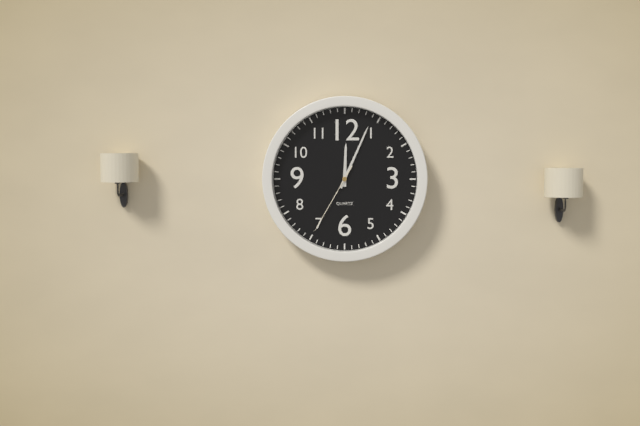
12 h 04 min 35 s
